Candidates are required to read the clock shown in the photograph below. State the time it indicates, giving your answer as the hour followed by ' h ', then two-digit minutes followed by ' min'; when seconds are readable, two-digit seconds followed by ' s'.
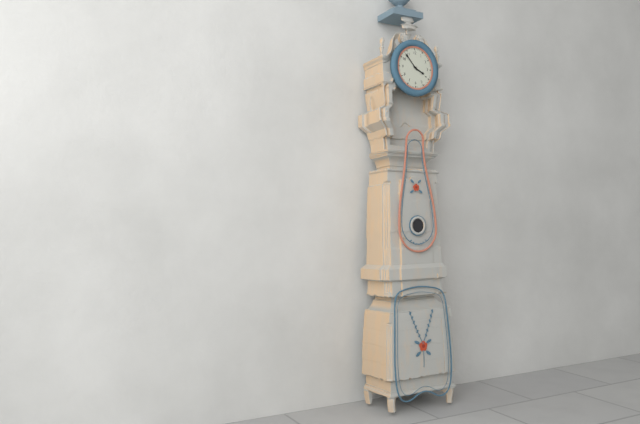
3 h 53 min
